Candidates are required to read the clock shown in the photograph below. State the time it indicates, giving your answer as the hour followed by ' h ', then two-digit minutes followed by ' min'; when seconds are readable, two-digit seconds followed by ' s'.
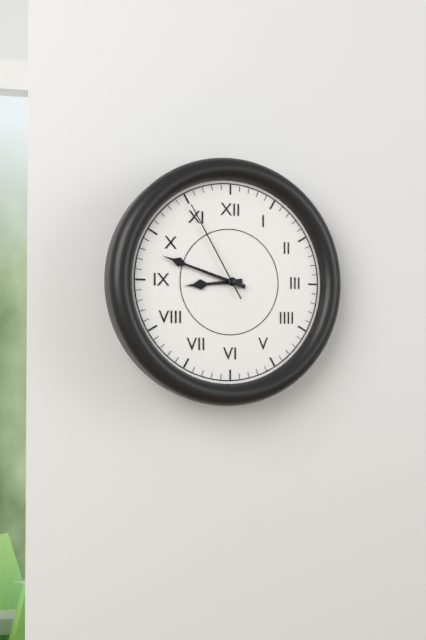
8 h 48 min 55 s
